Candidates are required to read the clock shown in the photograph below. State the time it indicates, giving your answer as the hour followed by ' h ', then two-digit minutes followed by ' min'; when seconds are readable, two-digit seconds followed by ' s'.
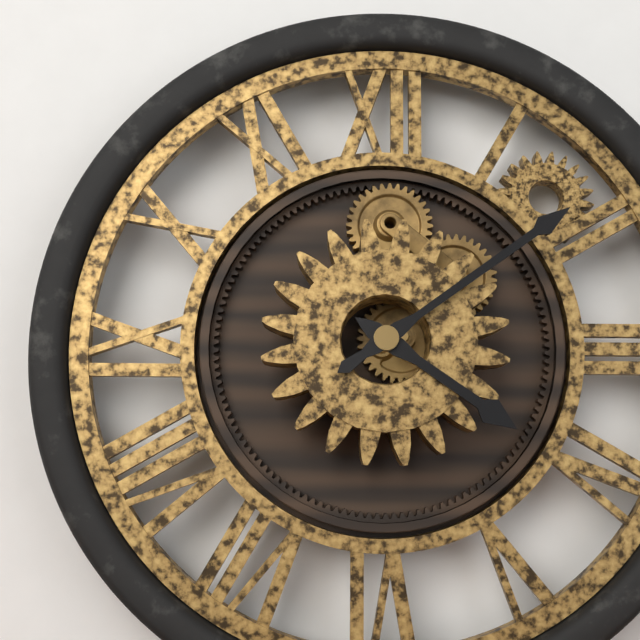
4 h 09 min
